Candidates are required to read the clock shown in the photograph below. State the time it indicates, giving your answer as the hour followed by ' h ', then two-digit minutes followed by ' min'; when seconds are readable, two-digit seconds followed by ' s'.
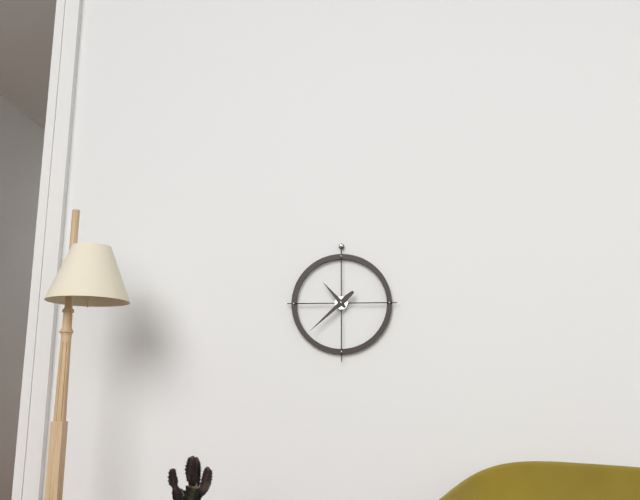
10 h 38 min
